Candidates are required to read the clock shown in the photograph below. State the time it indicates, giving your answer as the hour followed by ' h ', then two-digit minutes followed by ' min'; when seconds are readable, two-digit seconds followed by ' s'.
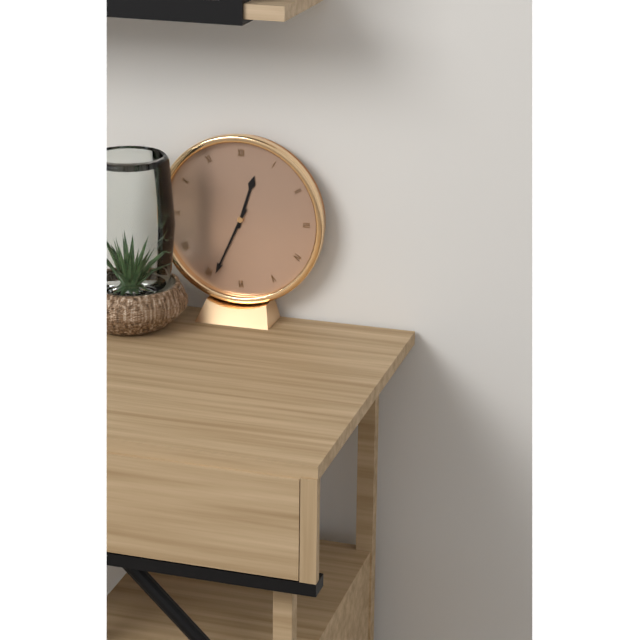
12 h 34 min
